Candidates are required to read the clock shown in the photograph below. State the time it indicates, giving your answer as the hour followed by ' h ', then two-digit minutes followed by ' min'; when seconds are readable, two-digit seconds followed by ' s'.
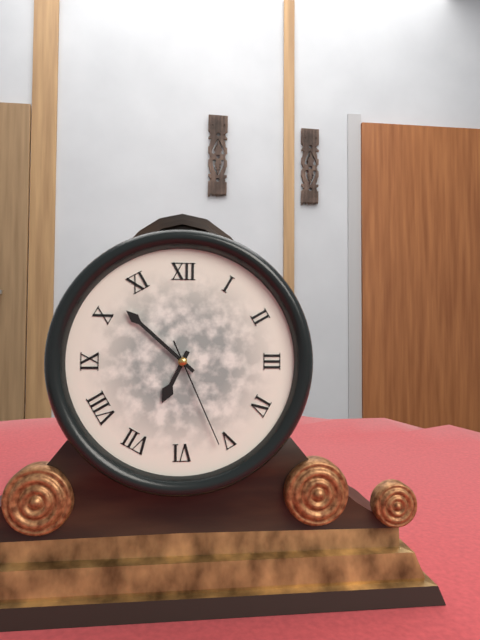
6 h 52 min 26 s
